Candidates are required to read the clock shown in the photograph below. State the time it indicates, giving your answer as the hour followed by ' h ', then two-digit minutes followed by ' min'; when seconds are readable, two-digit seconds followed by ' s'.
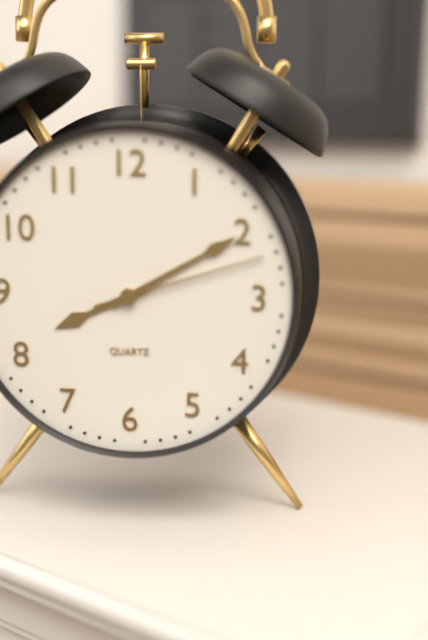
8 h 10 min 12 s
